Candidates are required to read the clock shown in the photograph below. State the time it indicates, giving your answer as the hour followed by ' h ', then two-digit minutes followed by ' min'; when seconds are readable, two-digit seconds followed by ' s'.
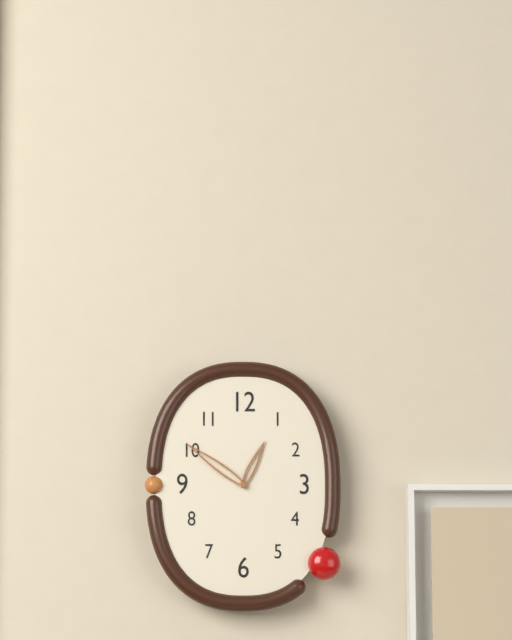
12 h 51 min
